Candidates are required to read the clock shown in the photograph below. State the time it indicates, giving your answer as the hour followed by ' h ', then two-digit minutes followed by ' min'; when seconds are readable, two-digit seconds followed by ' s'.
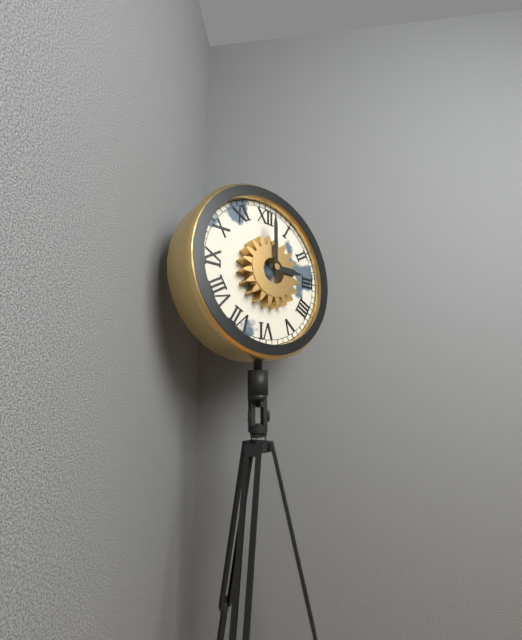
3 h 00 min
